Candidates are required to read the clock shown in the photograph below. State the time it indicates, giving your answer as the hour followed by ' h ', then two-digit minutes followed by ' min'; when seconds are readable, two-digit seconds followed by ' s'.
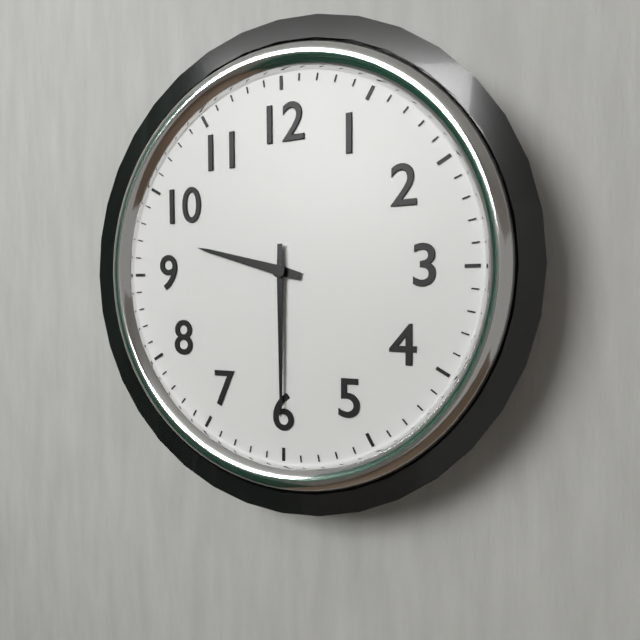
9 h 30 min
